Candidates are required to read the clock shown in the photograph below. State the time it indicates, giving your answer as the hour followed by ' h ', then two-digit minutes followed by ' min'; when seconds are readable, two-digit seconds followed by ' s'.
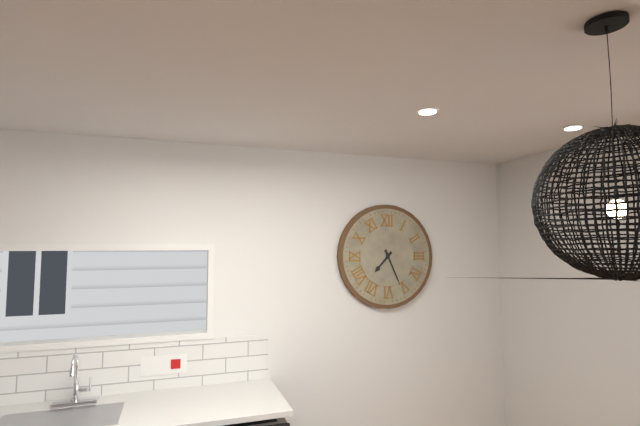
7 h 26 min
